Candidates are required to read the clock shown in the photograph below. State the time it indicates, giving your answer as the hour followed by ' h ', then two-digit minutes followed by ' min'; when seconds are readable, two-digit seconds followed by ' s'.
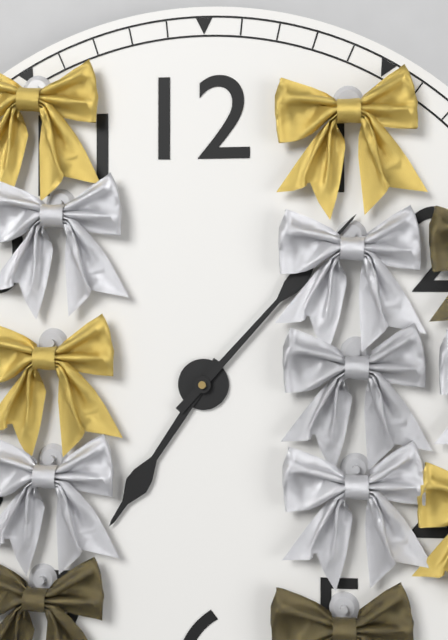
7 h 07 min
